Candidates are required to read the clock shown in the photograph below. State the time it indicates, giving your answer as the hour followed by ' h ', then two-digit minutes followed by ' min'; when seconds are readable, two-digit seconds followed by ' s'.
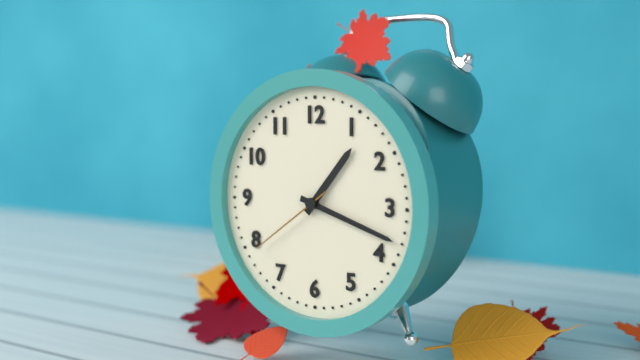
1 h 18 min 39 s
